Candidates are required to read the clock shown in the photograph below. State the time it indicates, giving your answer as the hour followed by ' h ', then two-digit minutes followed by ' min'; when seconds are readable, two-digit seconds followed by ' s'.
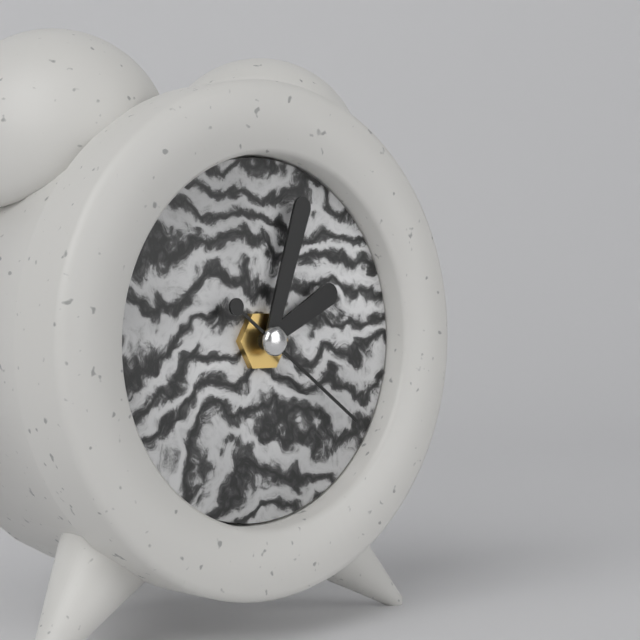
2 h 03 min 21 s
